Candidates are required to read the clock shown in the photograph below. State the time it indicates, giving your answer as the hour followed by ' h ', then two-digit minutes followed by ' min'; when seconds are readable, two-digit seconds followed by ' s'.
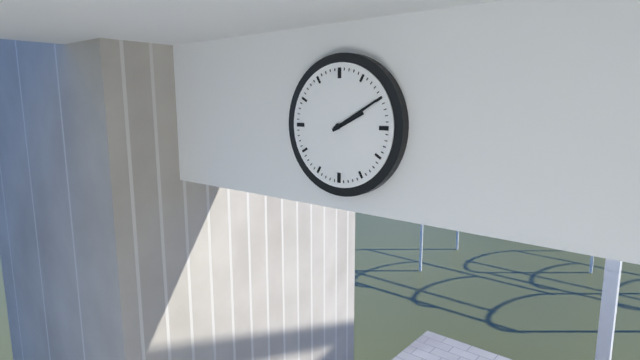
2 h 10 min
